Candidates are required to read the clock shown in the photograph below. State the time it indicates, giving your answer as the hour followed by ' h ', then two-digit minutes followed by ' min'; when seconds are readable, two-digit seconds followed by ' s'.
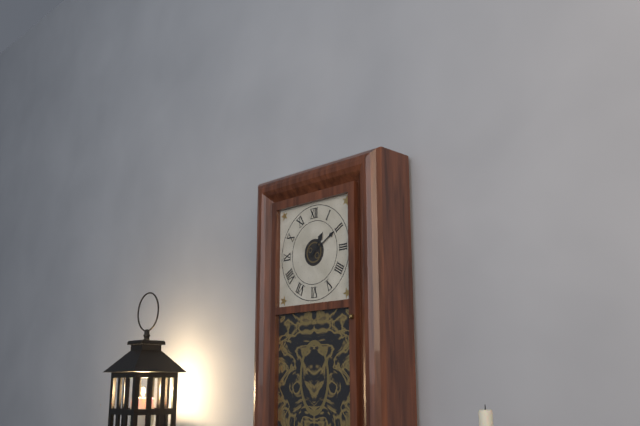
1 h 10 min
